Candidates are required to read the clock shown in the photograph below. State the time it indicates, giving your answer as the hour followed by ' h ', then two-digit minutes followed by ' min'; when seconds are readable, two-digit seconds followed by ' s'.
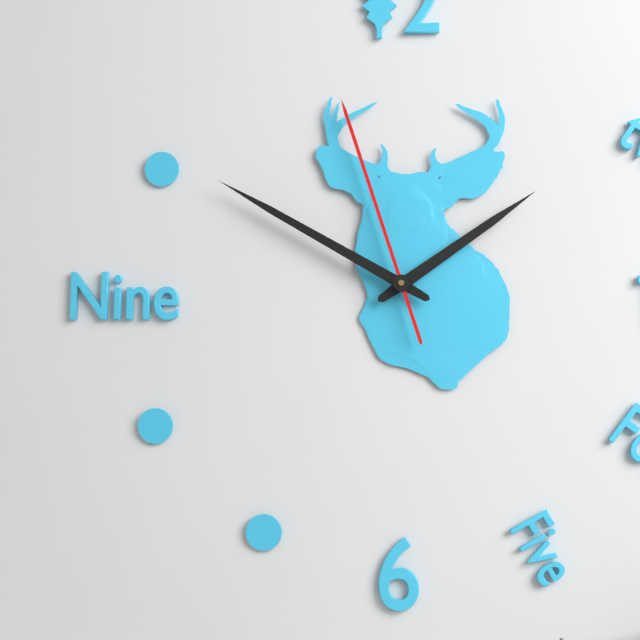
1 h 50 min 57 s
